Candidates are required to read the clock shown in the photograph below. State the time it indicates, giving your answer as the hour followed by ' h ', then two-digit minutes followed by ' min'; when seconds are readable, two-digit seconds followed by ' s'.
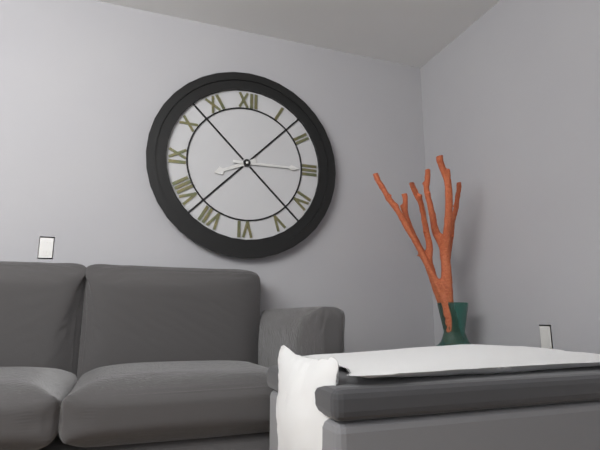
8 h 15 min
